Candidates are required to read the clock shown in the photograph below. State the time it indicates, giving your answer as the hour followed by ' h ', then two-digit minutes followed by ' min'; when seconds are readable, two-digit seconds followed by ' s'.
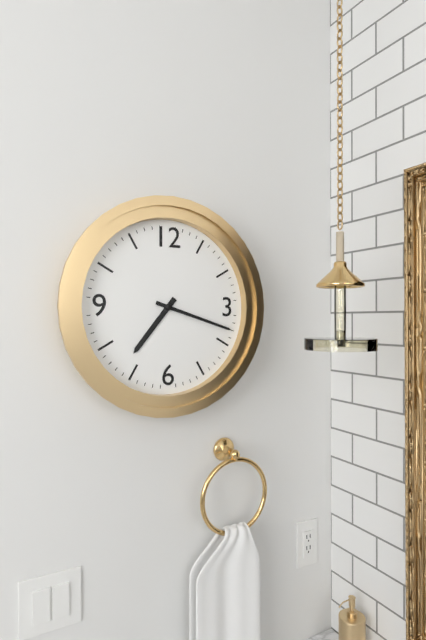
7 h 18 min
